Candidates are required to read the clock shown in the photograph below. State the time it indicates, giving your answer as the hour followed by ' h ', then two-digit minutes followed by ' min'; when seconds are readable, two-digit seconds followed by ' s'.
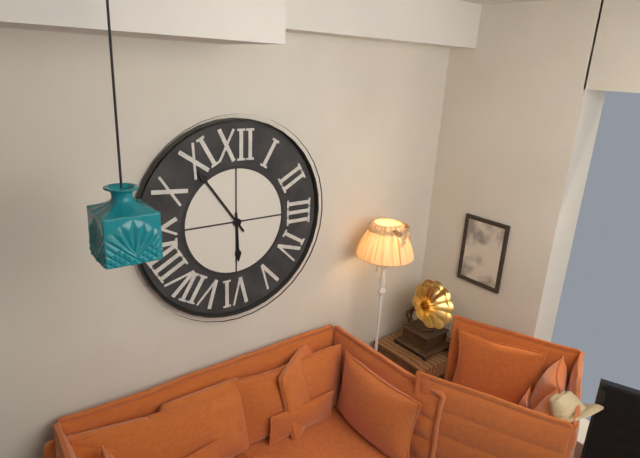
5 h 54 min
